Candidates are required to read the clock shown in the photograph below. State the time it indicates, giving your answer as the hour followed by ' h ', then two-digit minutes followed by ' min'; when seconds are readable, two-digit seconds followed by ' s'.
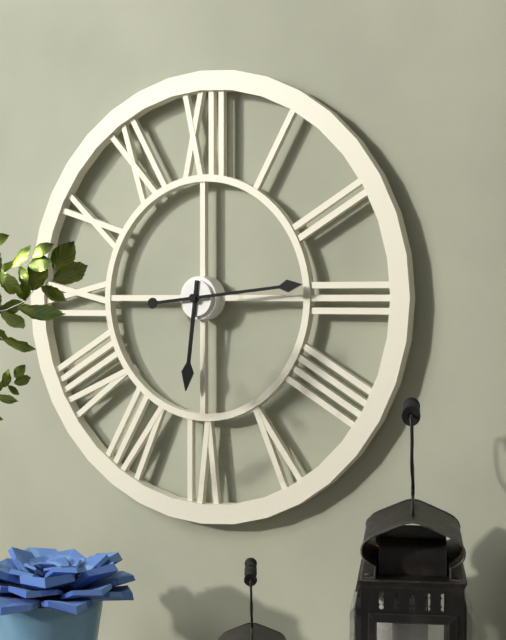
6 h 14 min
